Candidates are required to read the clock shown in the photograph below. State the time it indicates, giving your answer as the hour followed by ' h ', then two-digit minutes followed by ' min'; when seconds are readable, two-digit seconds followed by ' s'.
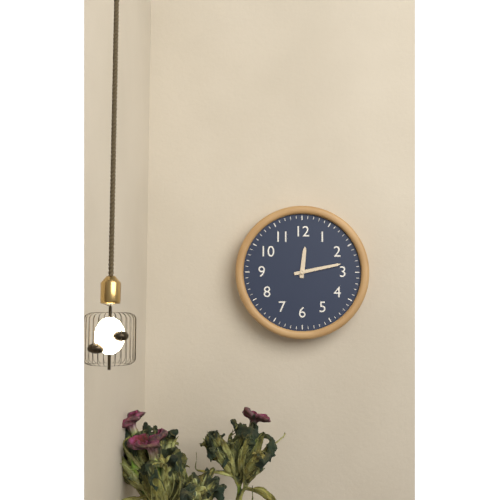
12 h 13 min
